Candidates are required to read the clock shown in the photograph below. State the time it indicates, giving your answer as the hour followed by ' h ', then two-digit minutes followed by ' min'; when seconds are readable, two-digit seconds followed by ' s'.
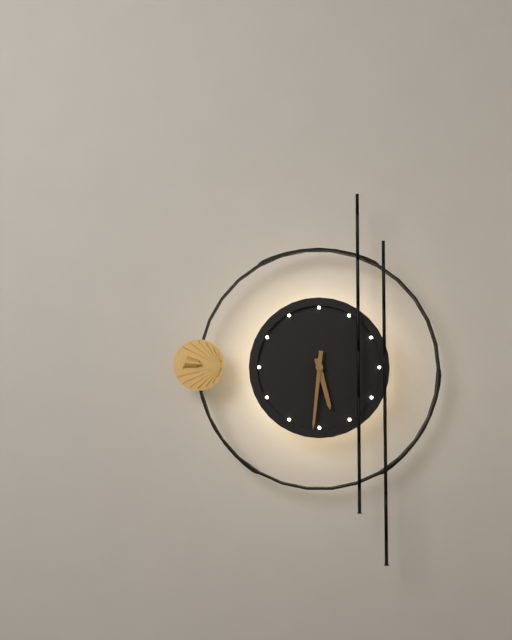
5 h 31 min
